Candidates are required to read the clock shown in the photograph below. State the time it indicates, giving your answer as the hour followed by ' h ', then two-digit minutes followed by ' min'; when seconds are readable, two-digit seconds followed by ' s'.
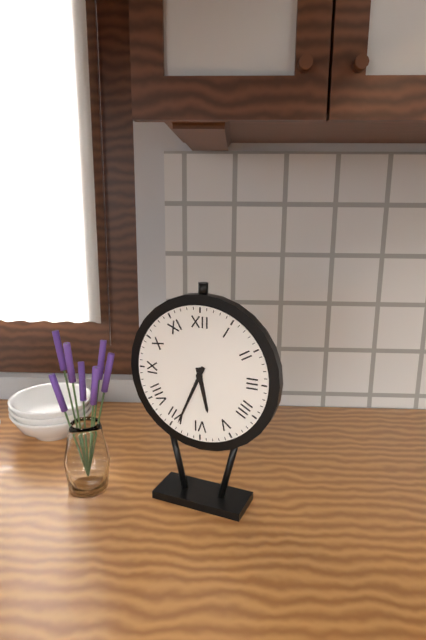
5 h 34 min
